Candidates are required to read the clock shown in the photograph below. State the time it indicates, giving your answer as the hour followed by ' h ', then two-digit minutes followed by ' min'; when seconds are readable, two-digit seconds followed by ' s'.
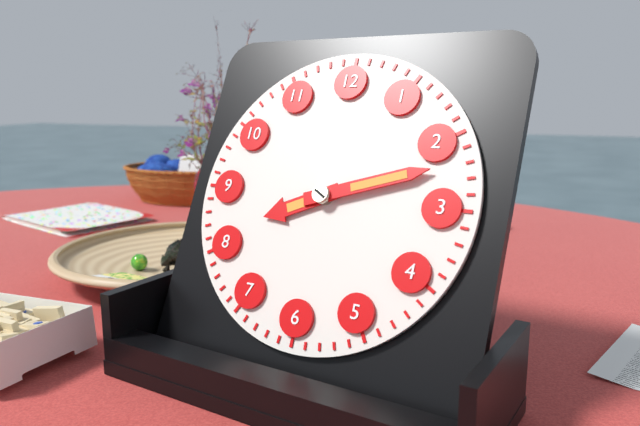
8 h 12 min
